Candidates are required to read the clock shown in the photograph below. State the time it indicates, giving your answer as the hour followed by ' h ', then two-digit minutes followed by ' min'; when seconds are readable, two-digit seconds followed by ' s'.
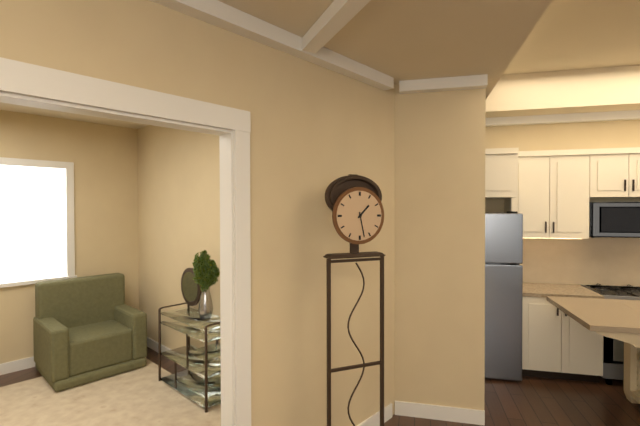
1 h 28 min
